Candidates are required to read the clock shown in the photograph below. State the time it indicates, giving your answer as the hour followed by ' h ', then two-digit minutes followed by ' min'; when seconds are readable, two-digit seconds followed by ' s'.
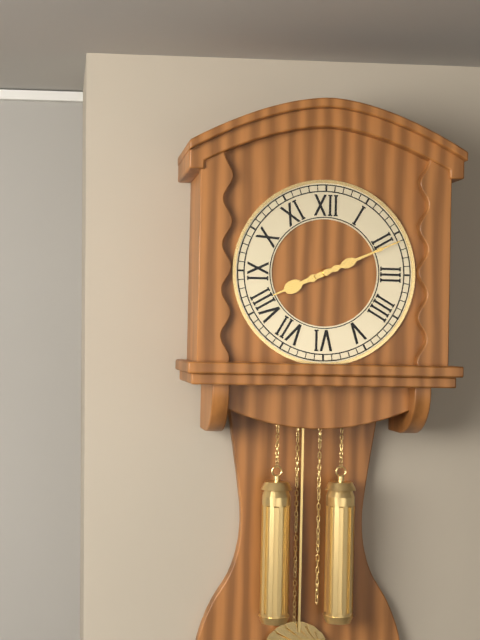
8 h 11 min
